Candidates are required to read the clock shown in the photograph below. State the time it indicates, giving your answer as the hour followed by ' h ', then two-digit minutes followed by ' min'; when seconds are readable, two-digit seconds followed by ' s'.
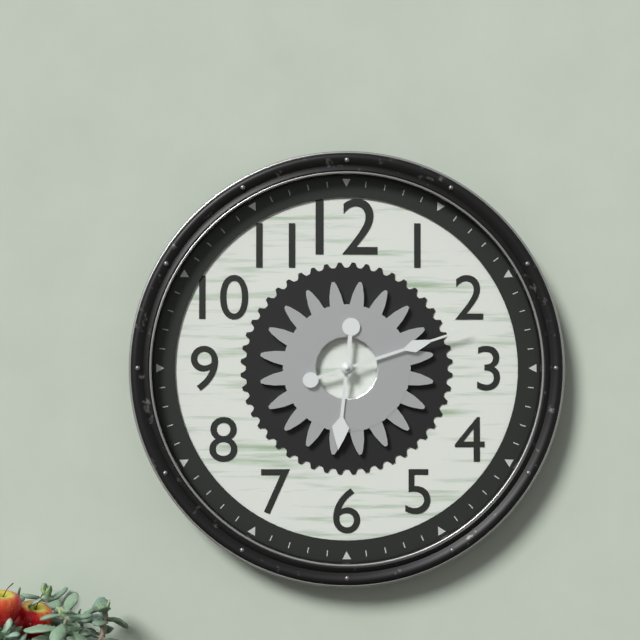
6 h 12 min
